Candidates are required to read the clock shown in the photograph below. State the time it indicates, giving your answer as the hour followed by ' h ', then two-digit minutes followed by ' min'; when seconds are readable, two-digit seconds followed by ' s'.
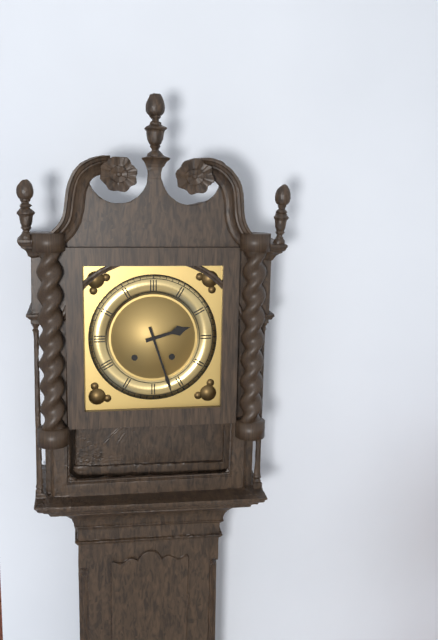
2 h 27 min
